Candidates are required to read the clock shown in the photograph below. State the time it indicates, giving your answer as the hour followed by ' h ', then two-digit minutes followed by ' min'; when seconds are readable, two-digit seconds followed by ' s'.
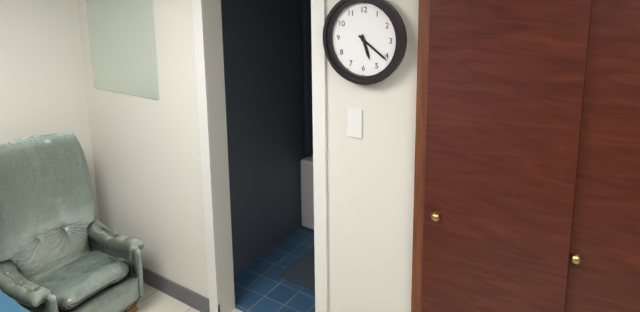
5 h 21 min
